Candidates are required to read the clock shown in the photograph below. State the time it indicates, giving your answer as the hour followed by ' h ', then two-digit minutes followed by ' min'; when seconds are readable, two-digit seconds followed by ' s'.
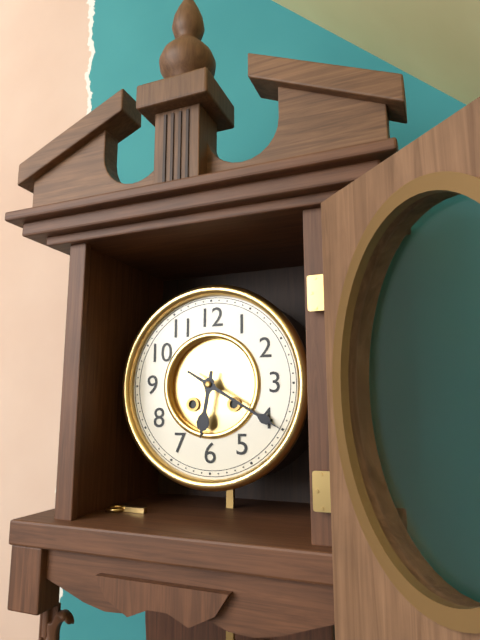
6 h 20 min
